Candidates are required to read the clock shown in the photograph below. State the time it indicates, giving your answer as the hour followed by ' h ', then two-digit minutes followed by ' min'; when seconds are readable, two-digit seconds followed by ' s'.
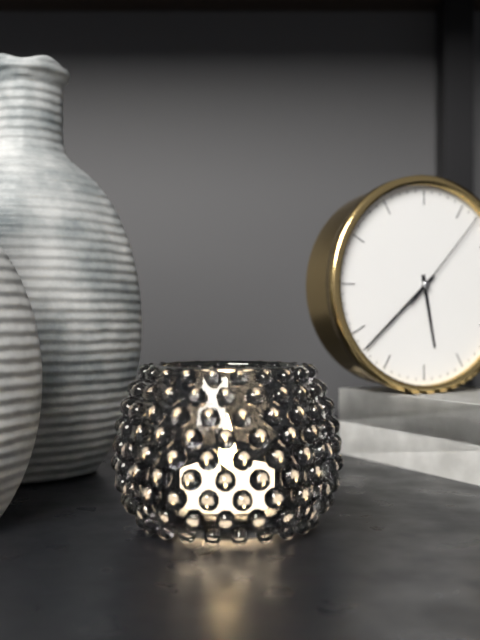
5 h 38 min 07 s
